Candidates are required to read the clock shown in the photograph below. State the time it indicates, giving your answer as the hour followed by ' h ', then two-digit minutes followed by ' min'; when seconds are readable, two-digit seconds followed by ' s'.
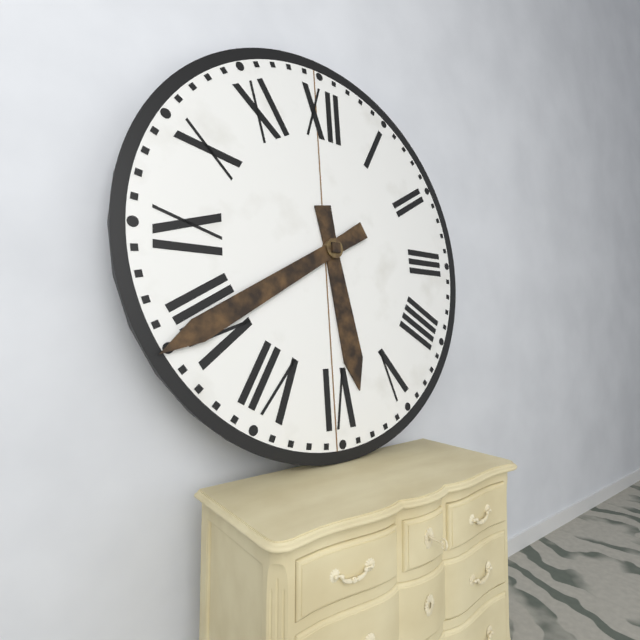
5 h 40 min
